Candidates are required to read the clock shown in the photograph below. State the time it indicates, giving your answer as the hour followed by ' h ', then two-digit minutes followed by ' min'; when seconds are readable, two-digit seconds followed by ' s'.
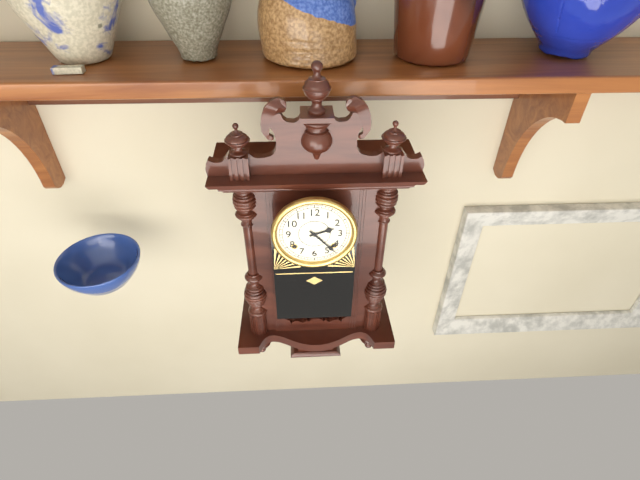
2 h 23 min
